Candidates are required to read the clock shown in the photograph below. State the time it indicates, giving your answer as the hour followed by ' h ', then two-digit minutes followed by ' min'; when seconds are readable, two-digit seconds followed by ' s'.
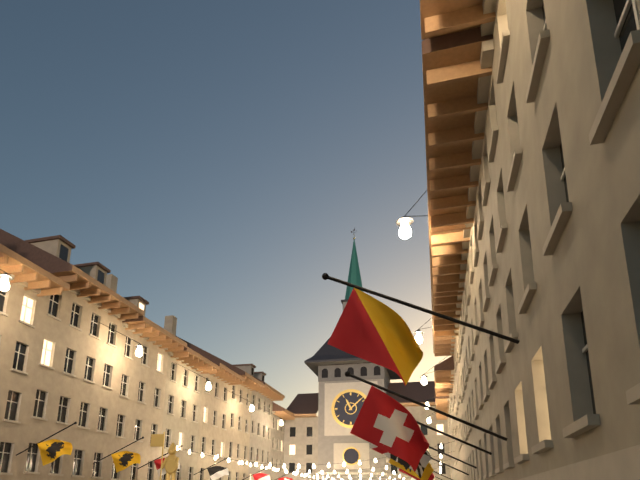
11 h 08 min
